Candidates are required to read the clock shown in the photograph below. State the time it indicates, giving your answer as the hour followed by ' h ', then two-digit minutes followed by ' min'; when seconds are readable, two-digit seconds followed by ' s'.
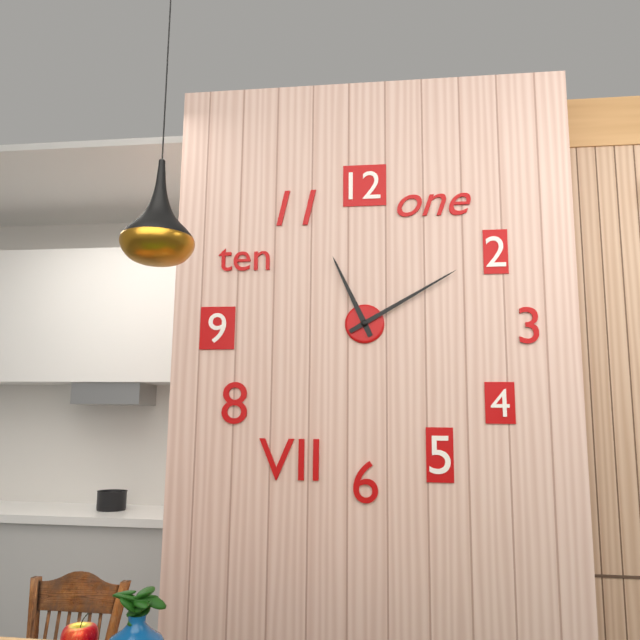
11 h 10 min
